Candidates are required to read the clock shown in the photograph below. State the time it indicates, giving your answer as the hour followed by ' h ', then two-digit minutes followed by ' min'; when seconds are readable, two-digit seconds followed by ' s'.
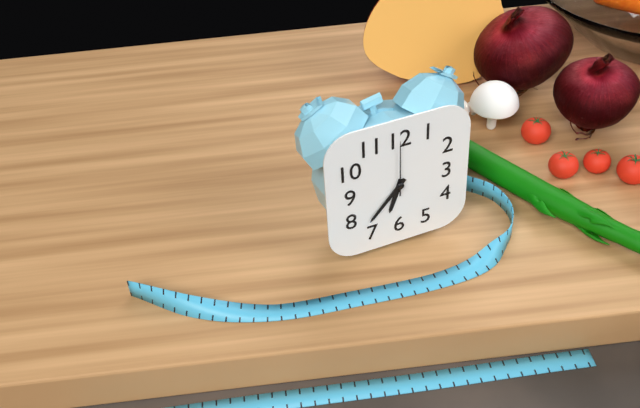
6 h 37 min 00 s
